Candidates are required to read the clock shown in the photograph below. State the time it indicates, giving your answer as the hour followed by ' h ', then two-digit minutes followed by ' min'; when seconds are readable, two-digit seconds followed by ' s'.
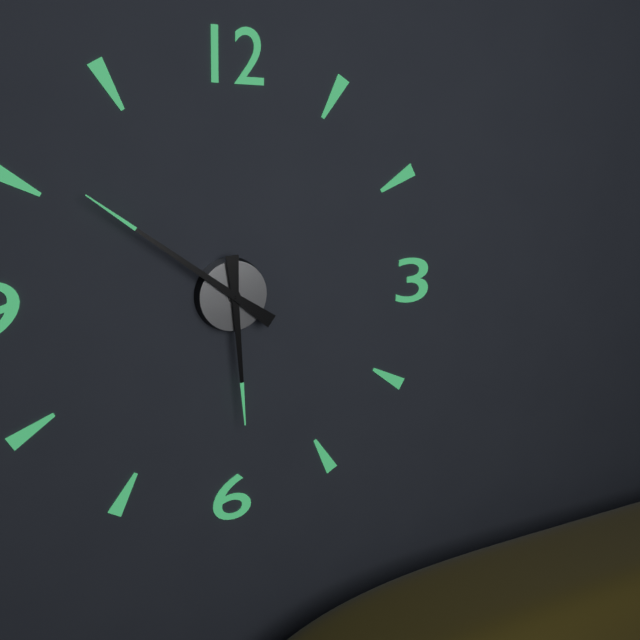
5 h 51 min
